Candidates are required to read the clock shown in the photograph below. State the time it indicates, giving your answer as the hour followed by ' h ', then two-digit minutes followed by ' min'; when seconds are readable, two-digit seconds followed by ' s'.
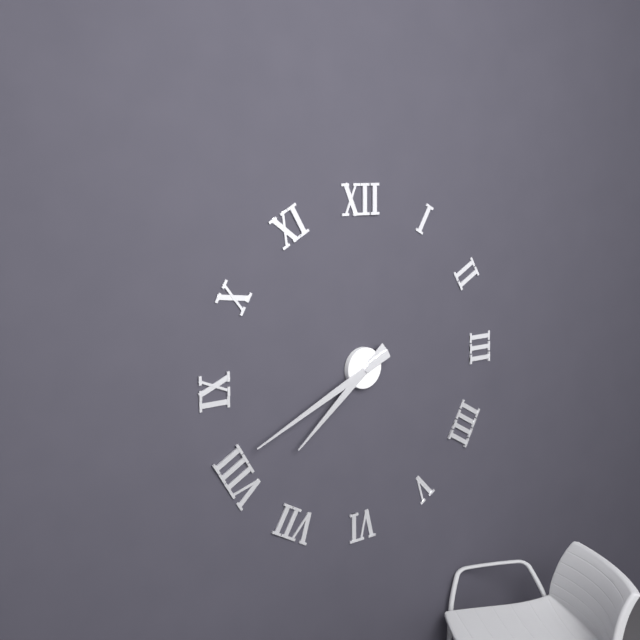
7 h 41 min
